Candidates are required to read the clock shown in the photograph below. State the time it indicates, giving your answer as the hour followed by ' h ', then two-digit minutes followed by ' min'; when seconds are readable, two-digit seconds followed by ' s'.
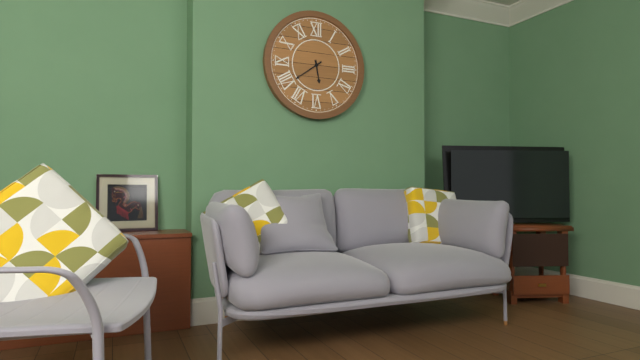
5 h 39 min
